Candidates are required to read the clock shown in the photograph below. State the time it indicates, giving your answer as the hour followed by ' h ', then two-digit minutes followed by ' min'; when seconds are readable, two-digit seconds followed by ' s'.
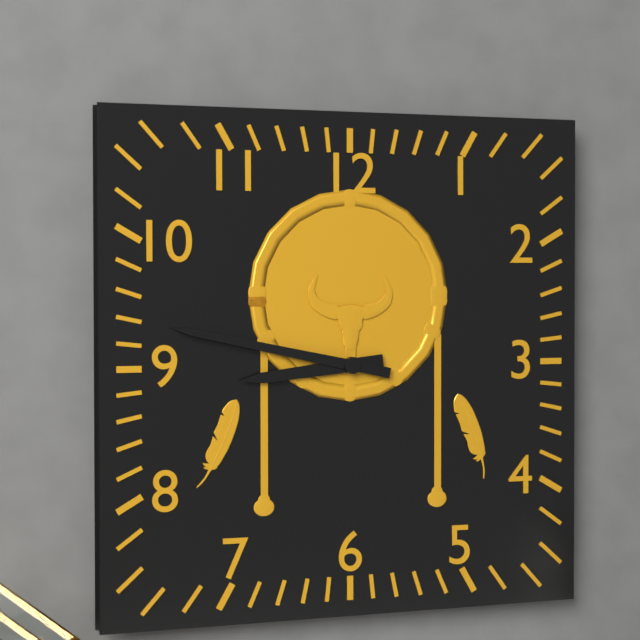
8 h 47 min
